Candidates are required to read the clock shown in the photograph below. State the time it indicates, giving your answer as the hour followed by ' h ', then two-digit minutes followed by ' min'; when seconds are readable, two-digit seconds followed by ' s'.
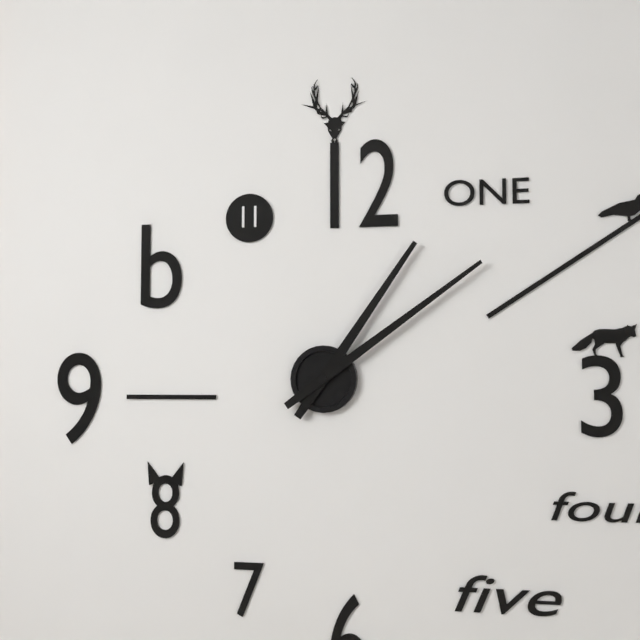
1 h 09 min
